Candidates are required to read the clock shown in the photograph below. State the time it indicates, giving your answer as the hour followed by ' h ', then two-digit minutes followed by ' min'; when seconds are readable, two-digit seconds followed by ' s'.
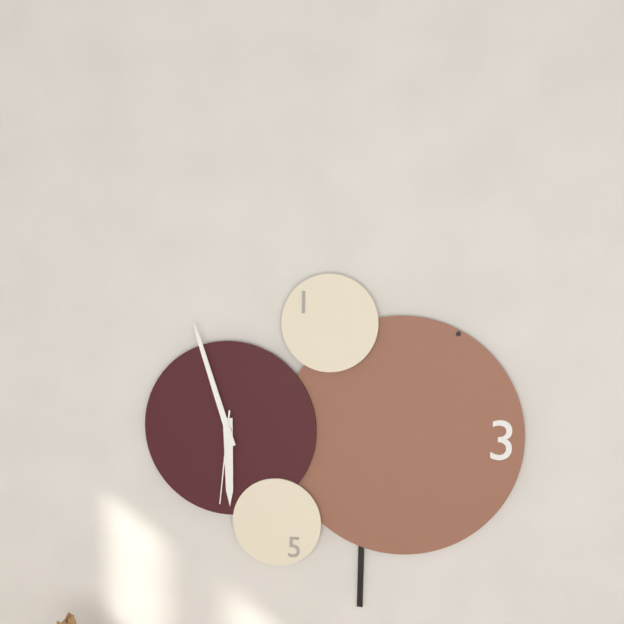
5 h 57 min 31 s
